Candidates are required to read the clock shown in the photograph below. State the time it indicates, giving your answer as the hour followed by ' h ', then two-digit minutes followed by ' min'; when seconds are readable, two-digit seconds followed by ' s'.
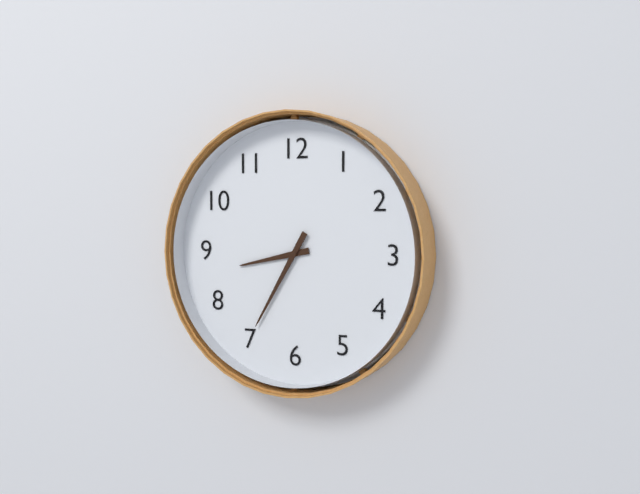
8 h 35 min
